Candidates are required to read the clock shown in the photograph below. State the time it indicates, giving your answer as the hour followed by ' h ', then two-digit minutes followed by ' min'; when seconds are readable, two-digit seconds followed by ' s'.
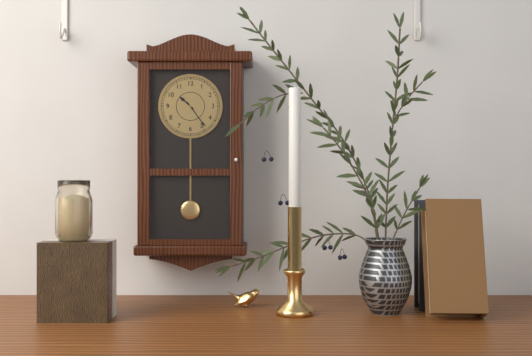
10 h 24 min
